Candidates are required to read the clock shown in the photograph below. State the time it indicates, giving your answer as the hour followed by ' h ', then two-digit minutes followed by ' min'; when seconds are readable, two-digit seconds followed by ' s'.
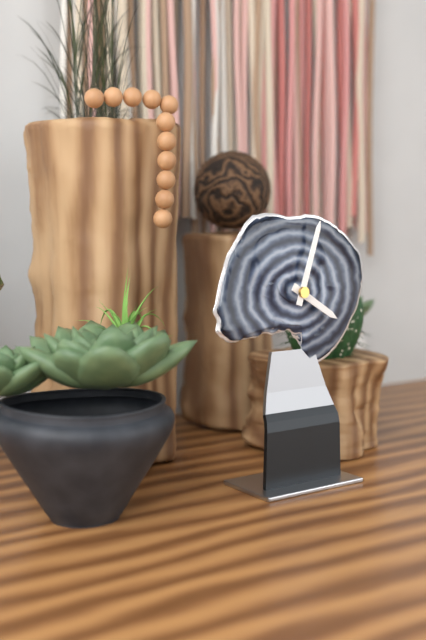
4 h 03 min
